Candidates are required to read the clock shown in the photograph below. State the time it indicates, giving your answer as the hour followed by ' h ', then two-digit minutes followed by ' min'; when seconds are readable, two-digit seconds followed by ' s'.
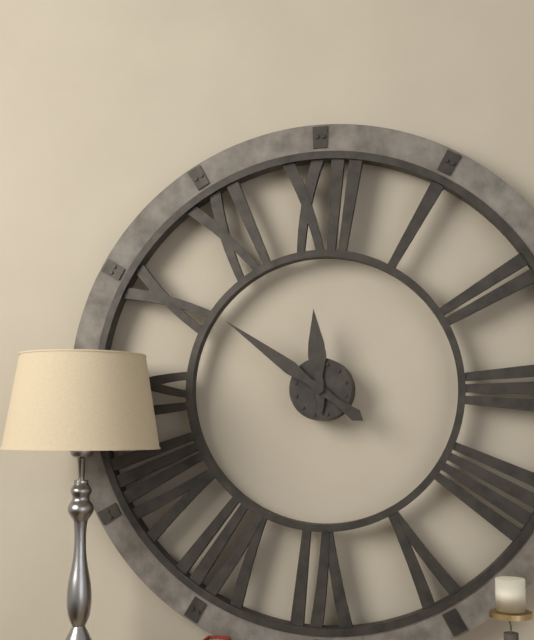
11 h 51 min
